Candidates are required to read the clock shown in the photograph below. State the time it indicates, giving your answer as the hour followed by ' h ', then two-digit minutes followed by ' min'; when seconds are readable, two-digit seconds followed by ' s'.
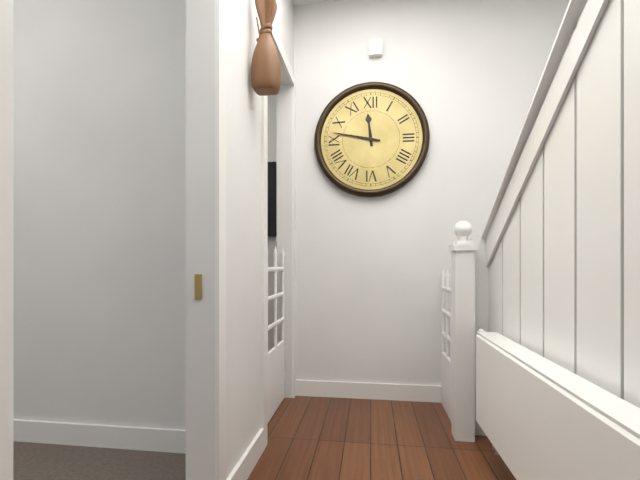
11 h 47 min
